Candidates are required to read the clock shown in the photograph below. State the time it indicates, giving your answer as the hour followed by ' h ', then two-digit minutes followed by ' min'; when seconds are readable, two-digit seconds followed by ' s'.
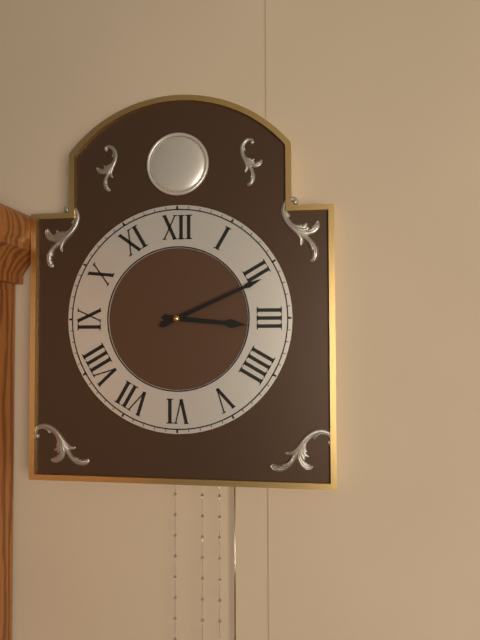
3 h 11 min
